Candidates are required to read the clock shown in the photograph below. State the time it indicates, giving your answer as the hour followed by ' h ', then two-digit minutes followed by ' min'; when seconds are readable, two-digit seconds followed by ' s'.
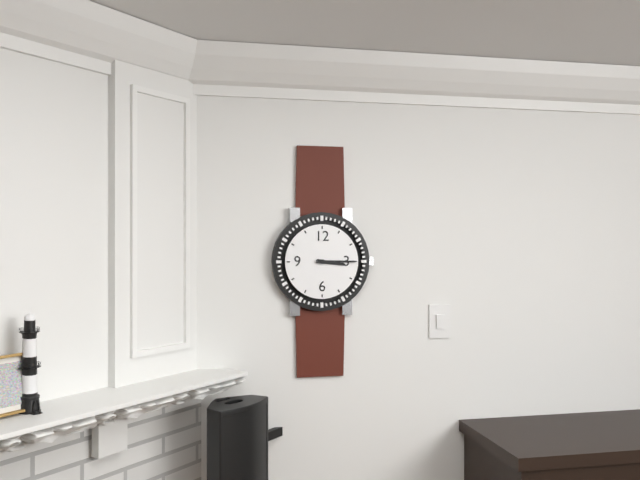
3 h 15 min
